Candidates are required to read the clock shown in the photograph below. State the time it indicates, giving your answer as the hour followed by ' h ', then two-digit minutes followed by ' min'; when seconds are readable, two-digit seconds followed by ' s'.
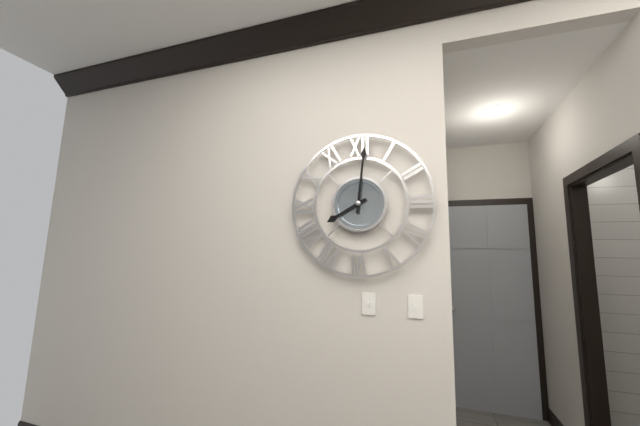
8 h 01 min
